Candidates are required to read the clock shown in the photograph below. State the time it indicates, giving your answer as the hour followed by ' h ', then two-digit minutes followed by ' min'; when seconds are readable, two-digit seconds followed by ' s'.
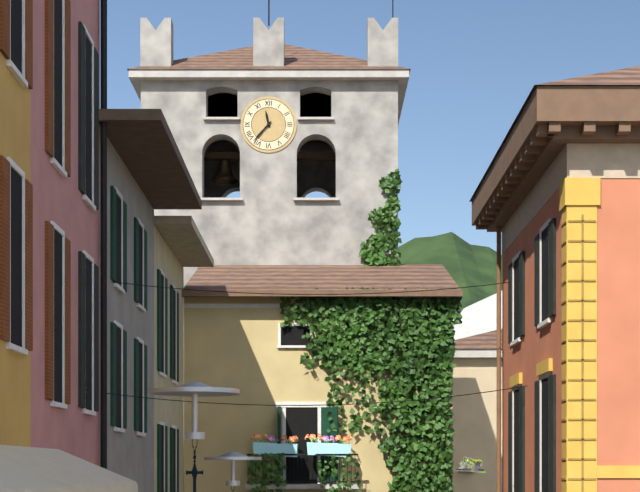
11 h 37 min
